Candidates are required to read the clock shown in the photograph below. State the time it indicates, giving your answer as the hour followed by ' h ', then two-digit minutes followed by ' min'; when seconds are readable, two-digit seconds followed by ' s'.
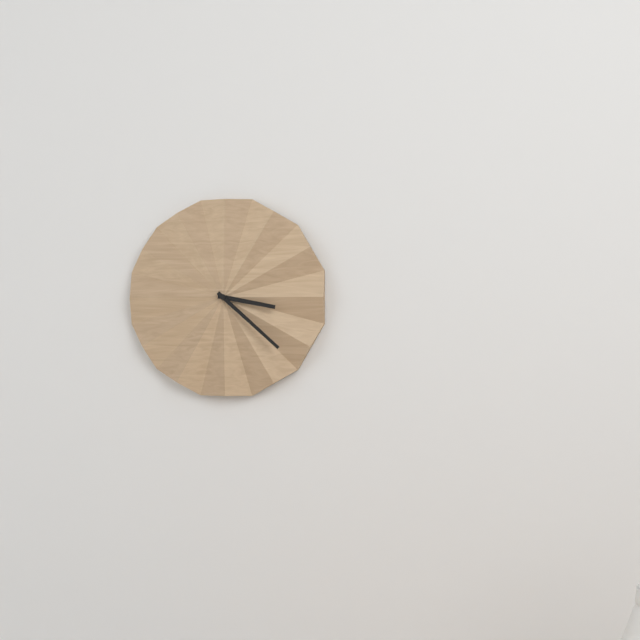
3 h 22 min
